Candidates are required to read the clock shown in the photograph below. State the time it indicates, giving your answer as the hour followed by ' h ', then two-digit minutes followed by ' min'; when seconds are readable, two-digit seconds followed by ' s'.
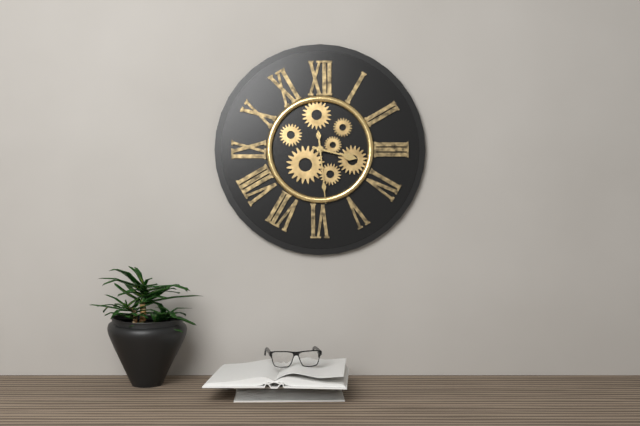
3 h 29 min
